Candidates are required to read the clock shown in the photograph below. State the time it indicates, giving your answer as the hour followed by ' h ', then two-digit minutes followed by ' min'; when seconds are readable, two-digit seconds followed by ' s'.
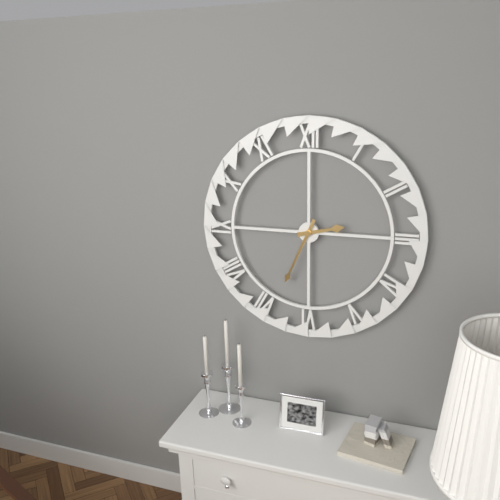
2 h 34 min
